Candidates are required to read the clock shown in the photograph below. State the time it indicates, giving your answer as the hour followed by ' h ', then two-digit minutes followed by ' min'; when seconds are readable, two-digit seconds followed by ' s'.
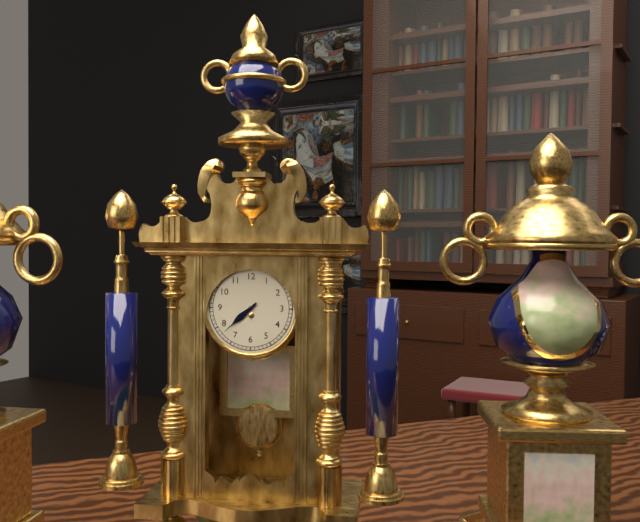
7 h 38 min
